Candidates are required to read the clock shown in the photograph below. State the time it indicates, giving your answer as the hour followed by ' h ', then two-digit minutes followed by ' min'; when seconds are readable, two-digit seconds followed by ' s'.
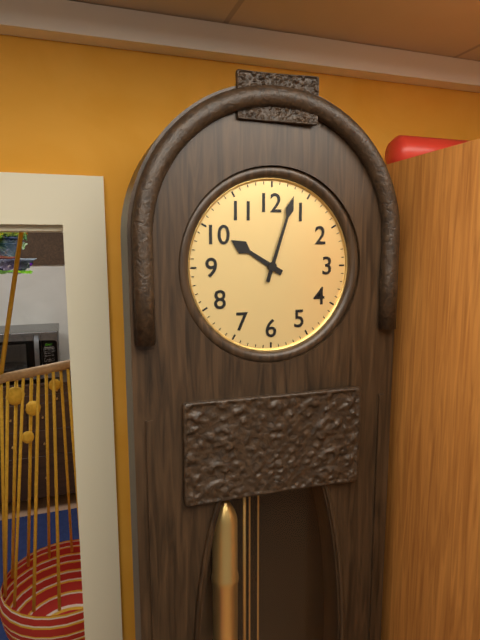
10 h 03 min
